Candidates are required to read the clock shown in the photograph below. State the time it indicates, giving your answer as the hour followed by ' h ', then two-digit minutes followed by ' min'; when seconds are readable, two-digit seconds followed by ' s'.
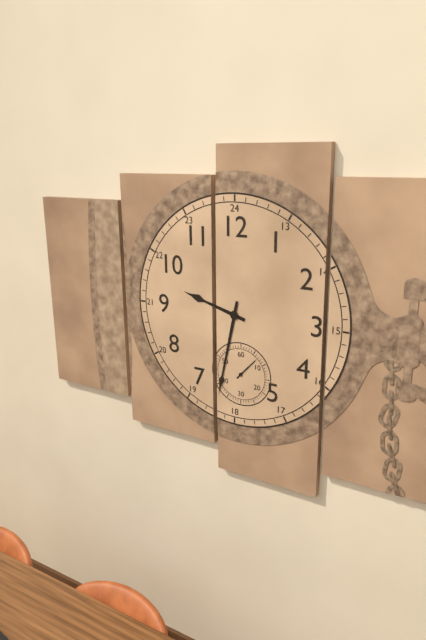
9 h 32 min
